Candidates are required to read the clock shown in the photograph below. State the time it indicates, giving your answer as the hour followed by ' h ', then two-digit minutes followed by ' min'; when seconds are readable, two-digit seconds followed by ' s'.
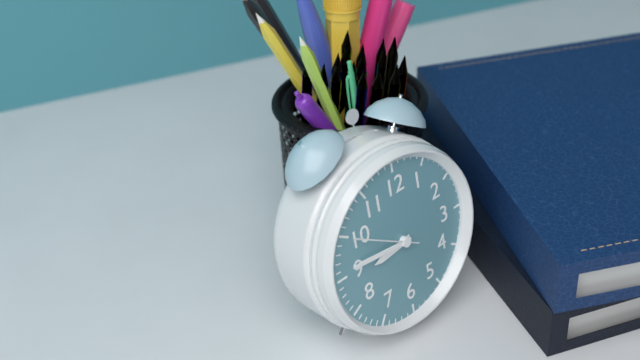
8 h 46 min 50 s
